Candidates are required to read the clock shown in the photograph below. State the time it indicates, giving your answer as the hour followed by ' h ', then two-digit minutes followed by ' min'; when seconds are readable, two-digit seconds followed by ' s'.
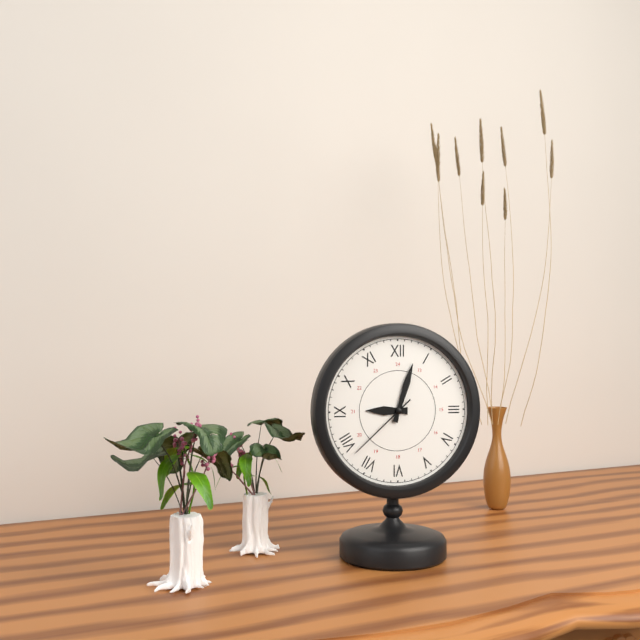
9 h 03 min 38 s
